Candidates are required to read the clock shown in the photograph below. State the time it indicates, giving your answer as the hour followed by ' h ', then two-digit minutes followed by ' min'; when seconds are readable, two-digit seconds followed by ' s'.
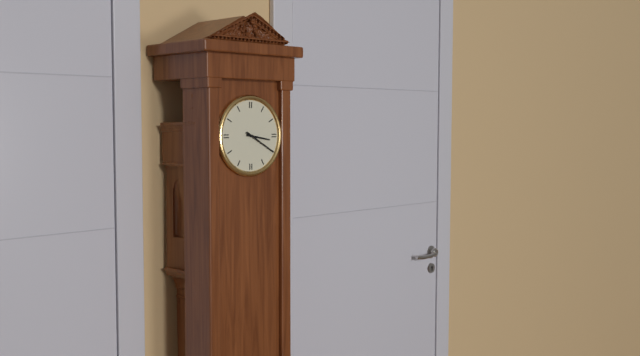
3 h 20 min
